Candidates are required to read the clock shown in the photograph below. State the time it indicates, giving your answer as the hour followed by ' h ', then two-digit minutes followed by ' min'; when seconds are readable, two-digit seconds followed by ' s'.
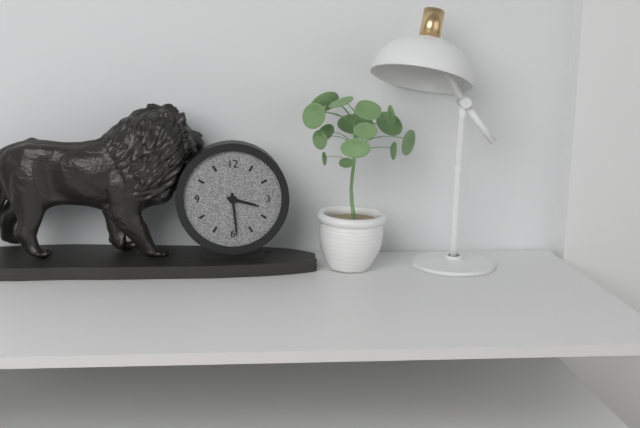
3 h 29 min
